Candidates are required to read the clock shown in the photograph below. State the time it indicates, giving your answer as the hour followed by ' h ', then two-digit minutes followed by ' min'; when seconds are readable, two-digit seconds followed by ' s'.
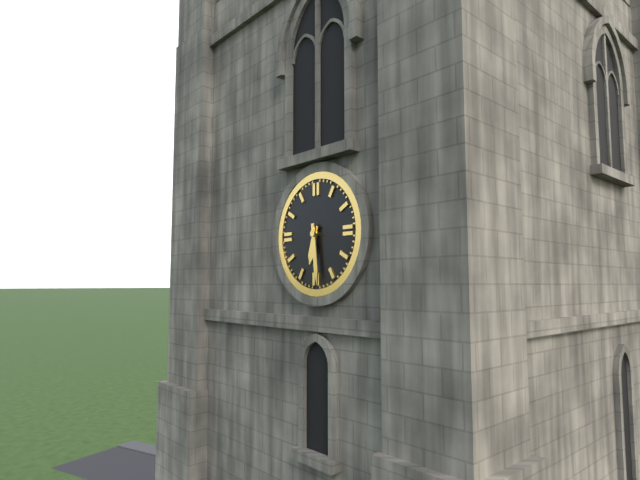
6 h 29 min
